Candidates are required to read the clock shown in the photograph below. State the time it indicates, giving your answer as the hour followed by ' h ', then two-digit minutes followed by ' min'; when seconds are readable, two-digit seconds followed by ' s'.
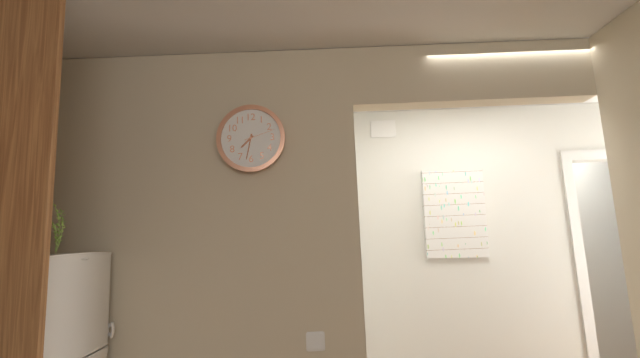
7 h 32 min
